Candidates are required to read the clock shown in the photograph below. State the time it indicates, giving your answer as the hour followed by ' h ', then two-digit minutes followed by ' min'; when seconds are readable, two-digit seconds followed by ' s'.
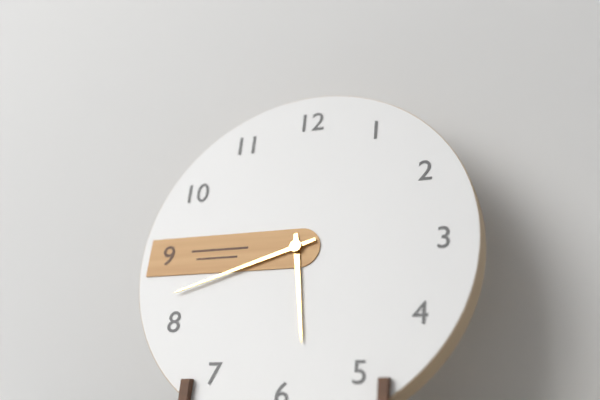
5 h 42 min
